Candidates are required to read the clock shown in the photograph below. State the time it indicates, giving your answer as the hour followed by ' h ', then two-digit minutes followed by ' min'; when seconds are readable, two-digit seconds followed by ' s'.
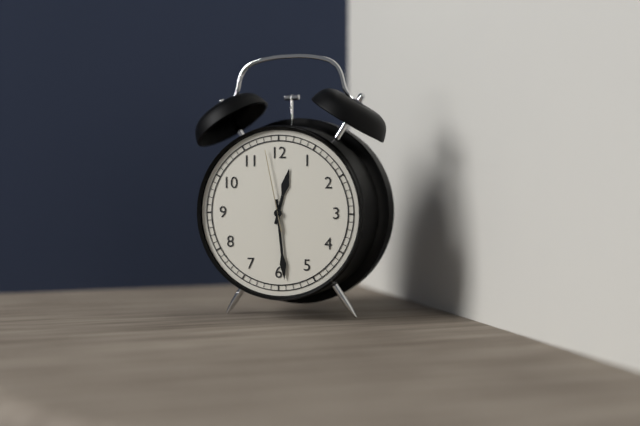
12 h 29 min 58 s
